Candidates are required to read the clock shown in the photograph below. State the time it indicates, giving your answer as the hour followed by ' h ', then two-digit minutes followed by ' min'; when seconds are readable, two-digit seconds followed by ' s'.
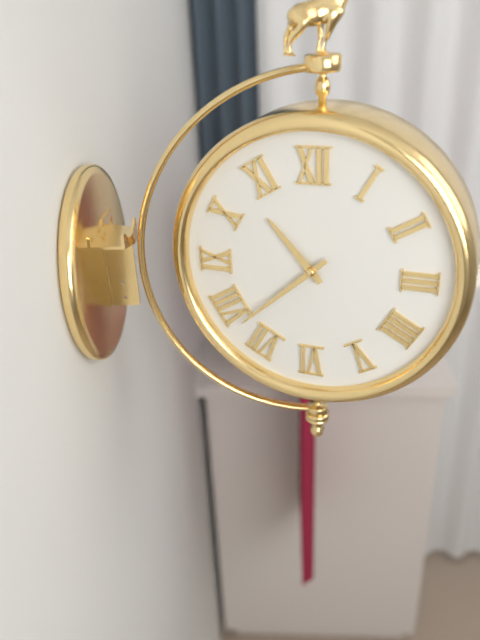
10 h 38 min
